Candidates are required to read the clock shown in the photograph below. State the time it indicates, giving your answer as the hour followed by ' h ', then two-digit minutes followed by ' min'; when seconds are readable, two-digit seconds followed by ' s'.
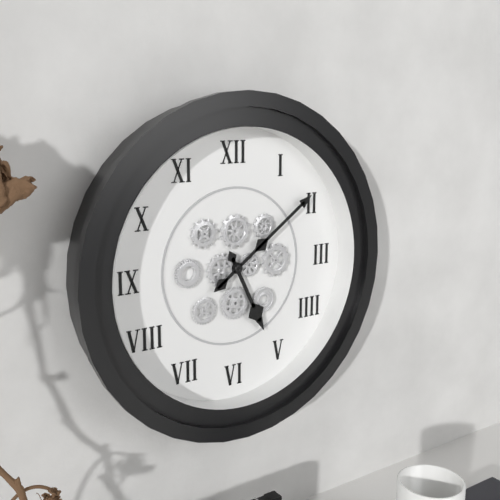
5 h 09 min
